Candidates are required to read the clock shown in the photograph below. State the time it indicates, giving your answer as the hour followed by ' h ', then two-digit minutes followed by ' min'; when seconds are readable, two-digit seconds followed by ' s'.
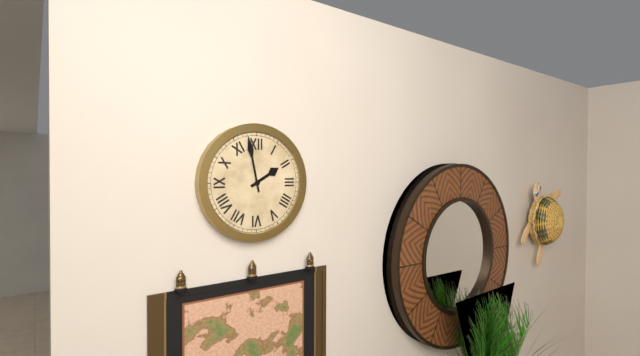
1 h 58 min
